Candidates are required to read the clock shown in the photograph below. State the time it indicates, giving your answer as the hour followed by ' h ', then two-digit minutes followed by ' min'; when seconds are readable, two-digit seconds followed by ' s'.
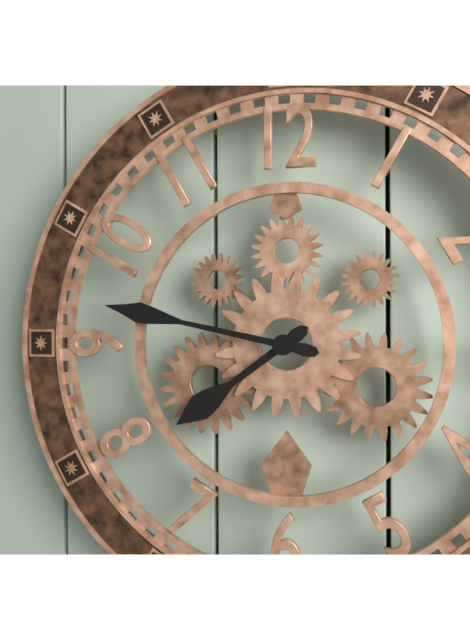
7 h 47 min
